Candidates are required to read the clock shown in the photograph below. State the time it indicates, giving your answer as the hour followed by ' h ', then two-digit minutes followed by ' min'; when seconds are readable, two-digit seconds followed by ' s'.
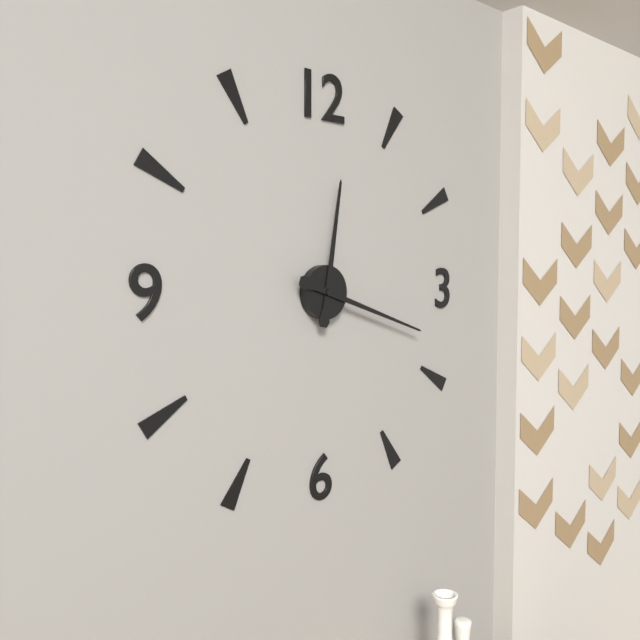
12 h 18 min
